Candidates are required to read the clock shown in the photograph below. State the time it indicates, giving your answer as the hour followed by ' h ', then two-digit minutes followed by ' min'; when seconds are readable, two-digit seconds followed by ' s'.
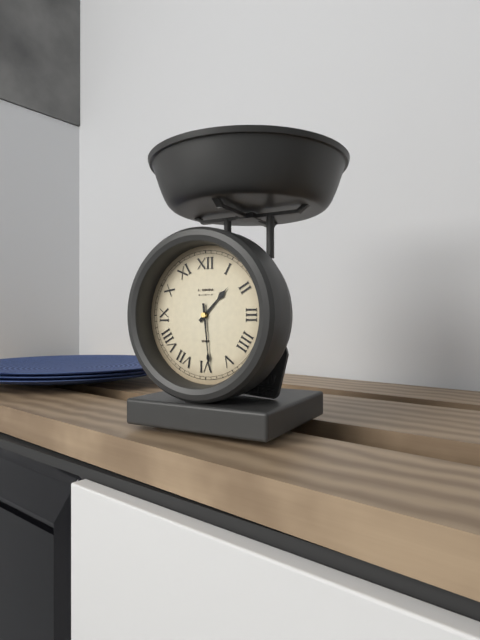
1 h 29 min
